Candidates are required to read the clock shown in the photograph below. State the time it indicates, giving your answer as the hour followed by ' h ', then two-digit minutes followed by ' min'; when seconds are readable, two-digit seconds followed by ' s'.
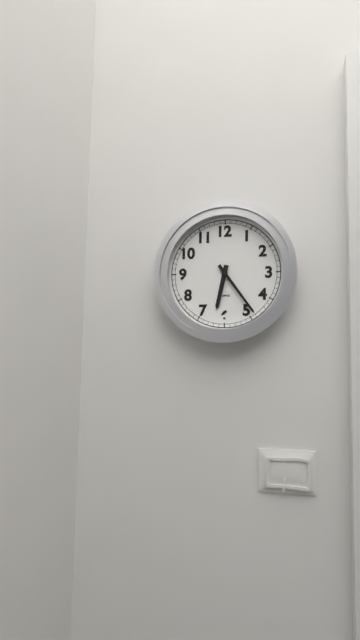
6 h 24 min
